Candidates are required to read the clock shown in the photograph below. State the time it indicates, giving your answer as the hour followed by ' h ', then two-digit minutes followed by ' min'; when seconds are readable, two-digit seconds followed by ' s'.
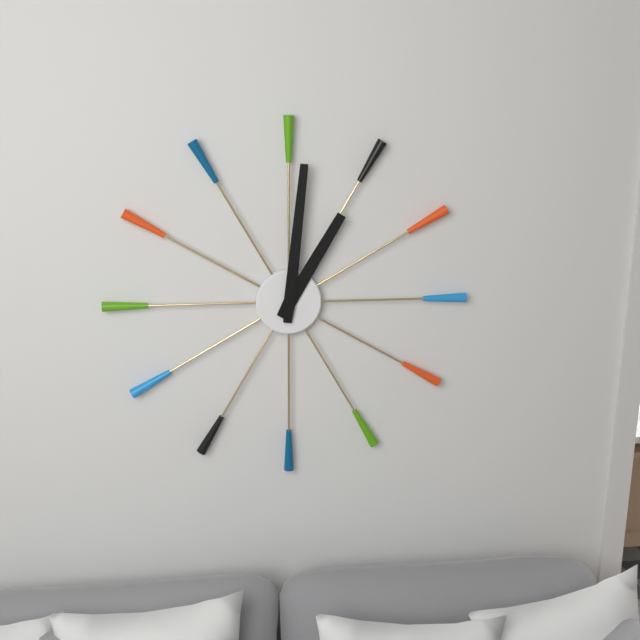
1 h 01 min
